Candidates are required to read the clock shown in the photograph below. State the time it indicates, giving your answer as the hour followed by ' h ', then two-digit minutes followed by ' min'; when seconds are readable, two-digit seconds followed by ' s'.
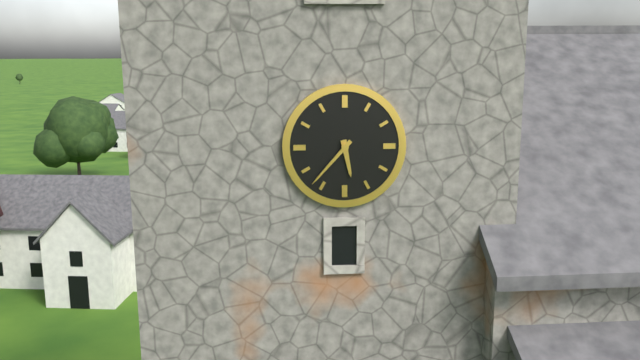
5 h 37 min
